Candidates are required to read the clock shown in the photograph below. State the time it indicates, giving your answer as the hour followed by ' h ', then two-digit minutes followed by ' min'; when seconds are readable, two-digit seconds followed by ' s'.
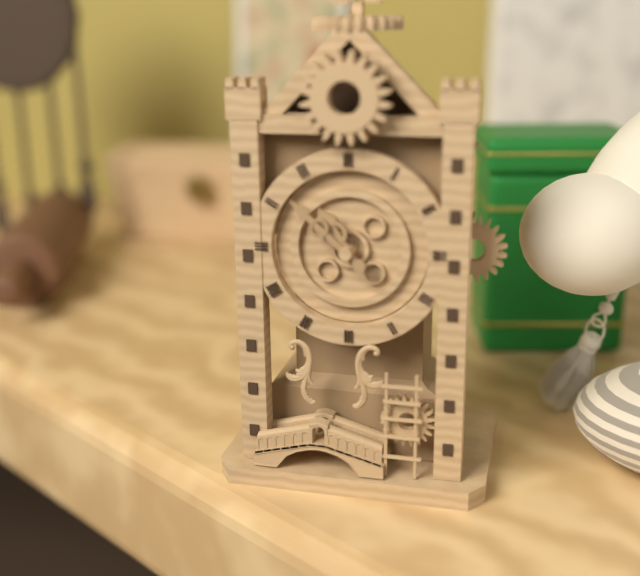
10 h 52 min
